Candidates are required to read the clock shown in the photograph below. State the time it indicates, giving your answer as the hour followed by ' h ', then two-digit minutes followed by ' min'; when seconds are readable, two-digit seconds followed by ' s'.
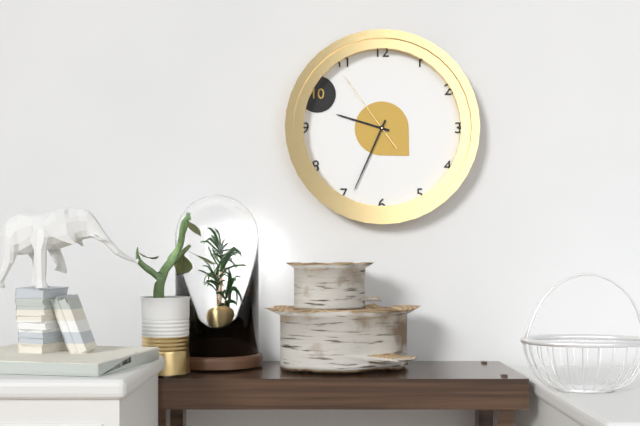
9 h 34 min 54 s
